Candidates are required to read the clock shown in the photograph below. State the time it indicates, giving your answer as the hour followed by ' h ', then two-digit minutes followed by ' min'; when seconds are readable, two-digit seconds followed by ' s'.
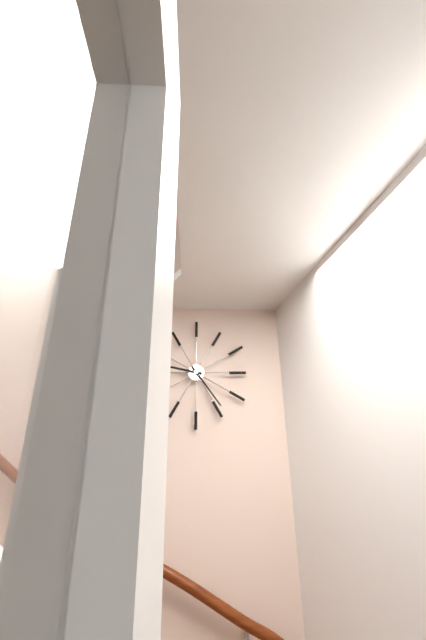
9 h 24 min
